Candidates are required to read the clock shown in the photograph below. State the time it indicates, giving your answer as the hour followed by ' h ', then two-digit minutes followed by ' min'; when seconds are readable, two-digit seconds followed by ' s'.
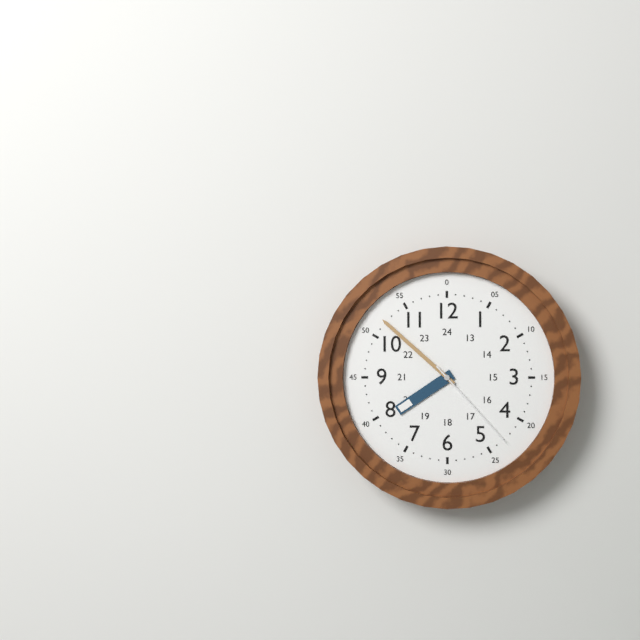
7 h 52 min 23 s
